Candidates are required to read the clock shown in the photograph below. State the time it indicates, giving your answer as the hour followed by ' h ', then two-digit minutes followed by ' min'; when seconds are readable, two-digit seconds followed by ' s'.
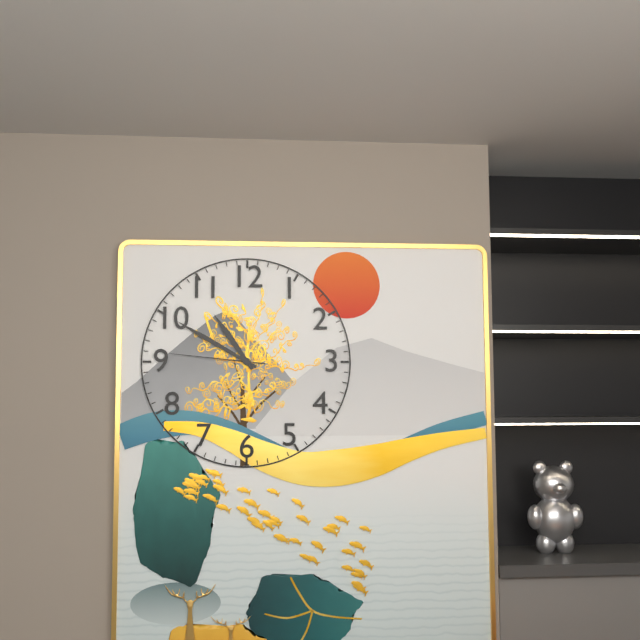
10 h 50 min 46 s
